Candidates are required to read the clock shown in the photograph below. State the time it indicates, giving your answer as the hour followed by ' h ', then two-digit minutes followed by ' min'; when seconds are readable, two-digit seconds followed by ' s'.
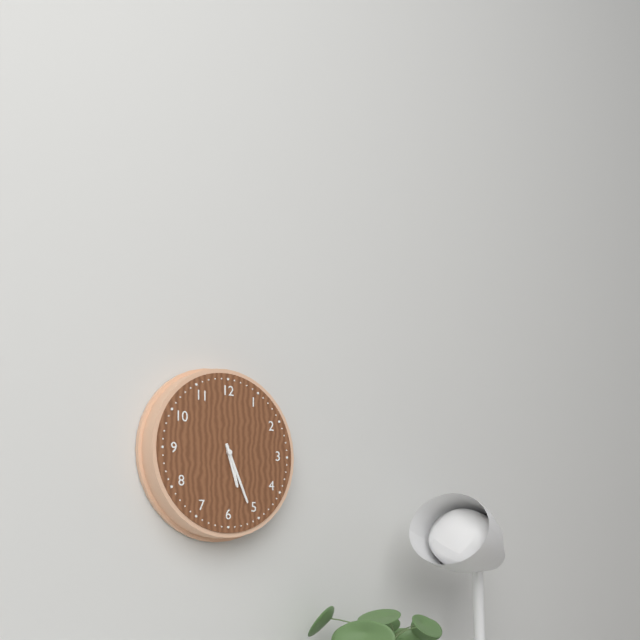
5 h 26 min
